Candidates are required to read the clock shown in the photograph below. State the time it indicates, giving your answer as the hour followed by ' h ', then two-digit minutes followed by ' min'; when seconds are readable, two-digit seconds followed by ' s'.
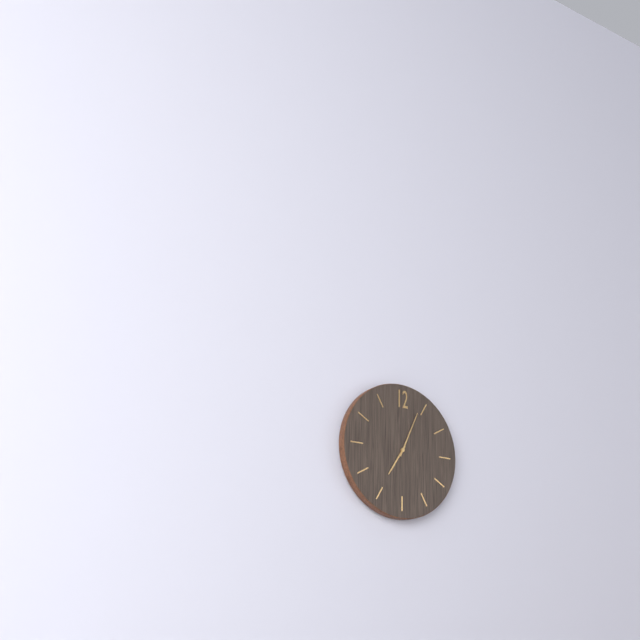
7 h 04 min
